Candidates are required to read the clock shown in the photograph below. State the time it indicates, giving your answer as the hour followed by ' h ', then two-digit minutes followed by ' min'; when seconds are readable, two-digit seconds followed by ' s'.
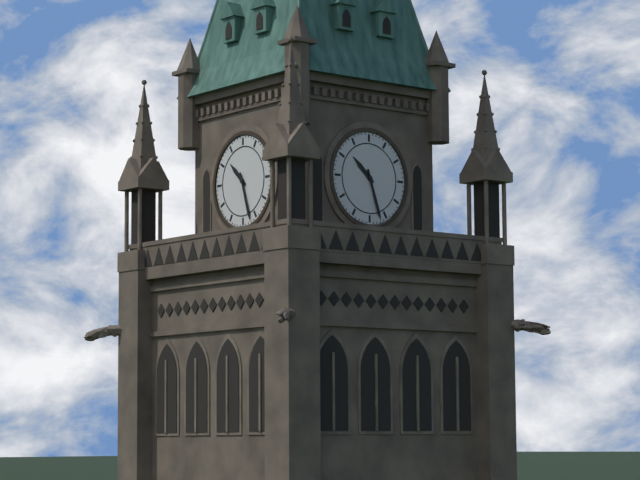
10 h 27 min
